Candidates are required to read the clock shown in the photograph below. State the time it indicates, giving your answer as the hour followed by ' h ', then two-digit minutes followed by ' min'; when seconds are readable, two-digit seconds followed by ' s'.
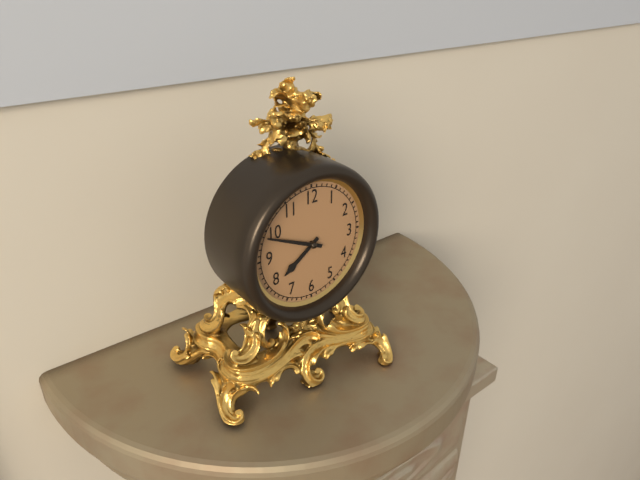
7 h 49 min
